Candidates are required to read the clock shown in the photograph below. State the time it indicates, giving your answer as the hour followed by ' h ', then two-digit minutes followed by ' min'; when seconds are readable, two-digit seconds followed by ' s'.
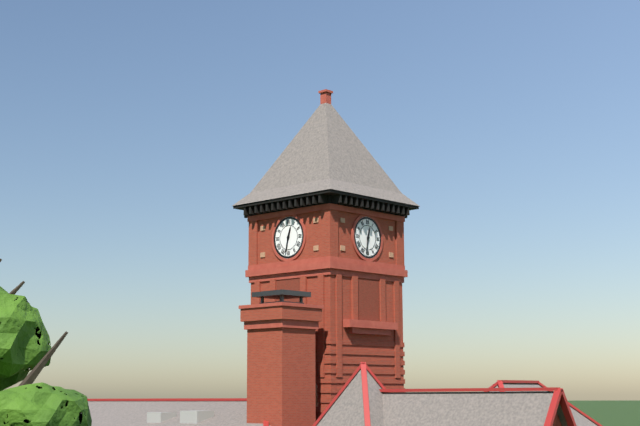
12 h 32 min
